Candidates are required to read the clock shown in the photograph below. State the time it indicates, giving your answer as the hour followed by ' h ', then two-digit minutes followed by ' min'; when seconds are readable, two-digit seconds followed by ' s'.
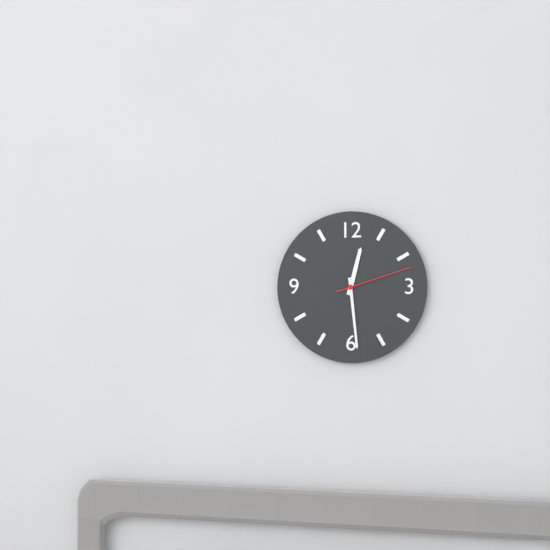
12 h 29 min 12 s
